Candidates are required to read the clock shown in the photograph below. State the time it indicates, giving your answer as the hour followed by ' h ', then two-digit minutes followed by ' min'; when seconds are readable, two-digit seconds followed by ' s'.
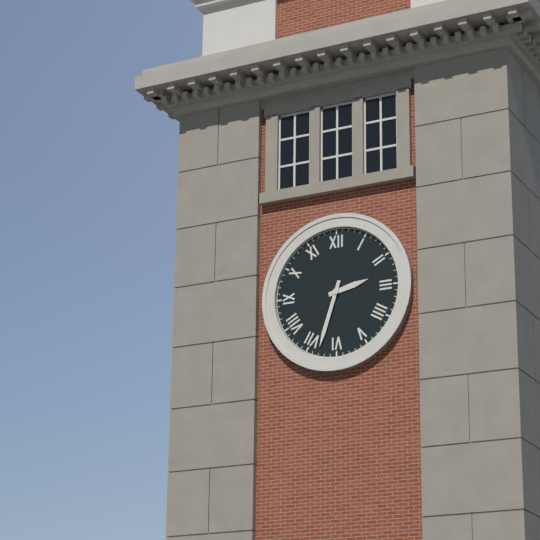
2 h 33 min
